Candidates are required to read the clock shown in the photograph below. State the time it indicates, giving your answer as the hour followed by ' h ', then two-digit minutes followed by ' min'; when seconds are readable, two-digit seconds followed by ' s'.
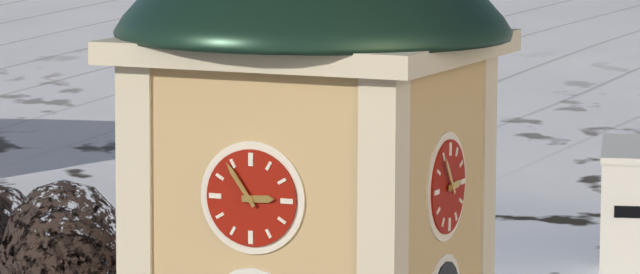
2 h 54 min
